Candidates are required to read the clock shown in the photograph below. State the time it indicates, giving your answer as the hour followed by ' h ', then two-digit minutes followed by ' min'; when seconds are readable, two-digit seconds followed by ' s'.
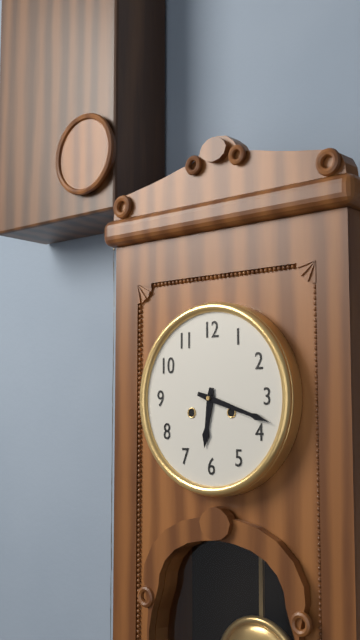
6 h 18 min
